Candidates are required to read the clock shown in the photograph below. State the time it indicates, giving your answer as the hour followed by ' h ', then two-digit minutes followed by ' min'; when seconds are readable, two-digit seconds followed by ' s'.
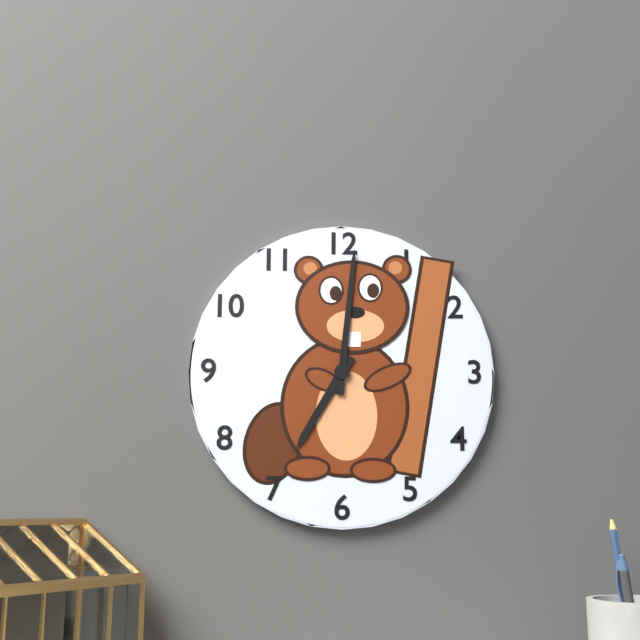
7 h 01 min
